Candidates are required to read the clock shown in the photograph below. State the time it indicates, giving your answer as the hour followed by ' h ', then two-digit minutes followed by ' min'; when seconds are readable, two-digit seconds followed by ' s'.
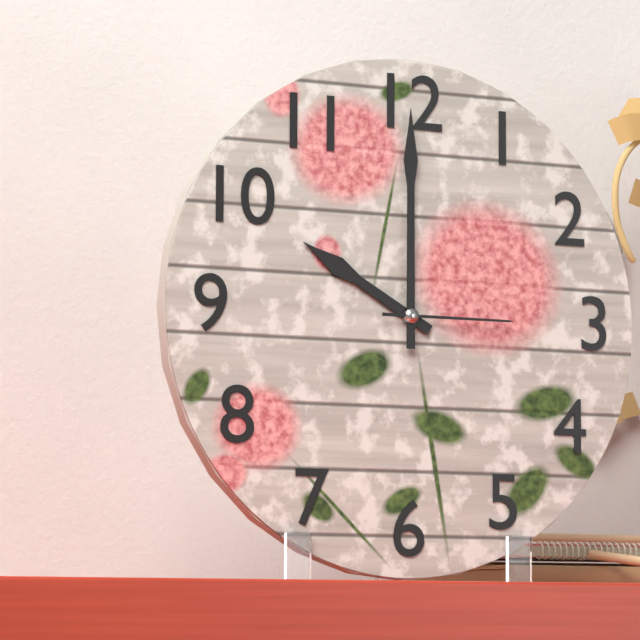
10 h 00 min 15 s
